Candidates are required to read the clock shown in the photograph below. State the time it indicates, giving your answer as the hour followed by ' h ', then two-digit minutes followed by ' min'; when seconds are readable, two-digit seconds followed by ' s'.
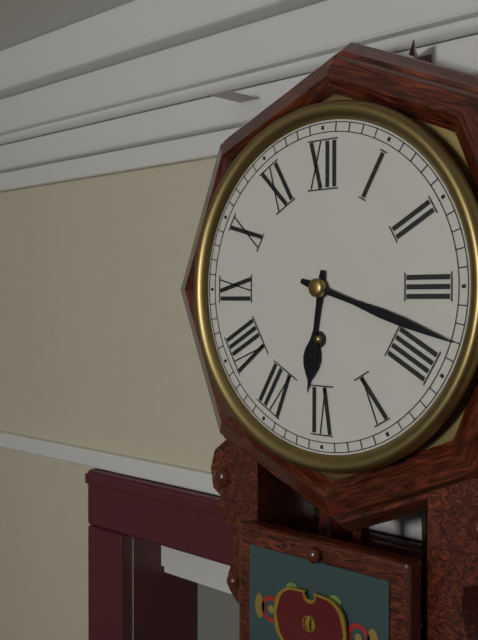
6 h 18 min
